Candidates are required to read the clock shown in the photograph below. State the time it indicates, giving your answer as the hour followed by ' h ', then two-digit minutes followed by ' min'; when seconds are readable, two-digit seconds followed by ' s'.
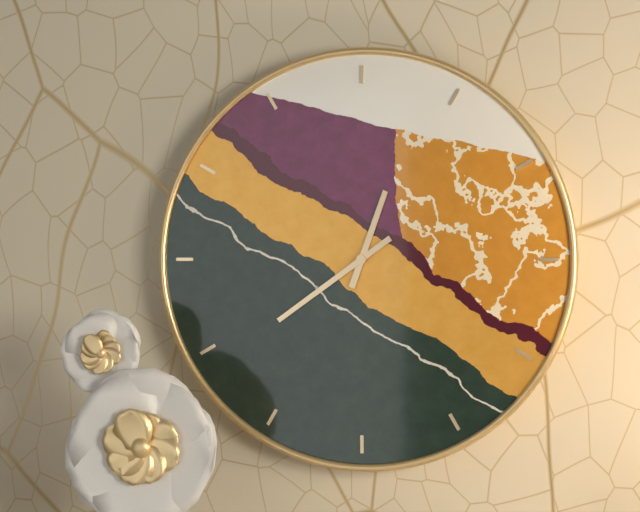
12 h 39 min
